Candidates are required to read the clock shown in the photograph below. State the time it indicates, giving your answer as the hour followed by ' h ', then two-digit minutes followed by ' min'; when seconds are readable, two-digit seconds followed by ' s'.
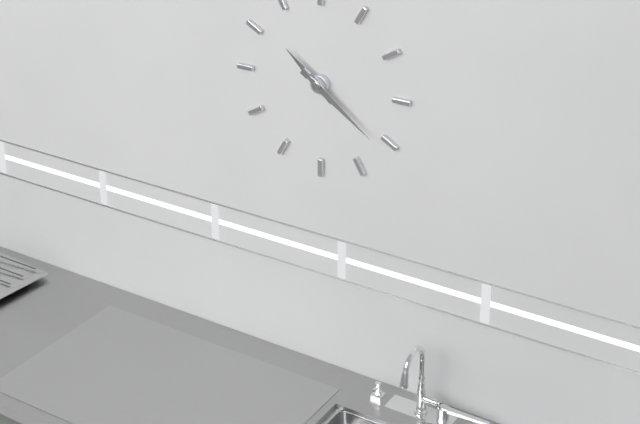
10 h 21 min
